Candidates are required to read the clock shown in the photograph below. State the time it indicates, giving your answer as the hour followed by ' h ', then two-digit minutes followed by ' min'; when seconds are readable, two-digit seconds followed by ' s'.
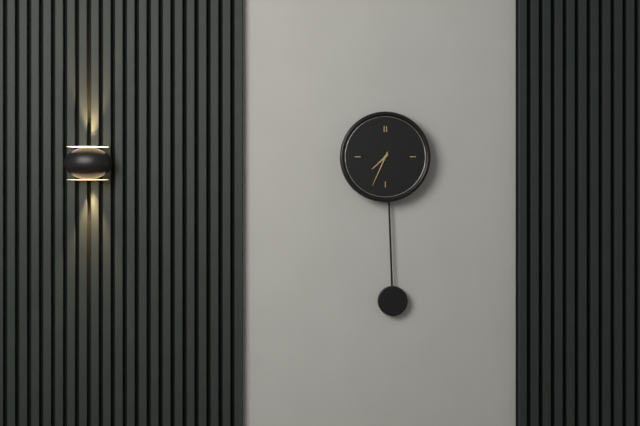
7 h 34 min
